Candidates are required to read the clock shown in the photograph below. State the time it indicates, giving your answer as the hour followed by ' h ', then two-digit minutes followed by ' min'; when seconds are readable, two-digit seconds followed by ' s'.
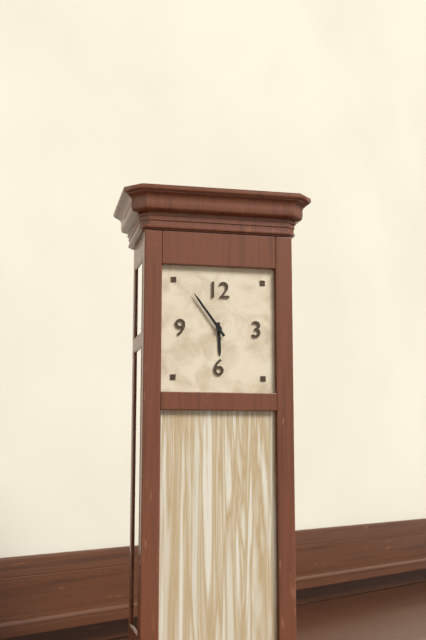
5 h 54 min
